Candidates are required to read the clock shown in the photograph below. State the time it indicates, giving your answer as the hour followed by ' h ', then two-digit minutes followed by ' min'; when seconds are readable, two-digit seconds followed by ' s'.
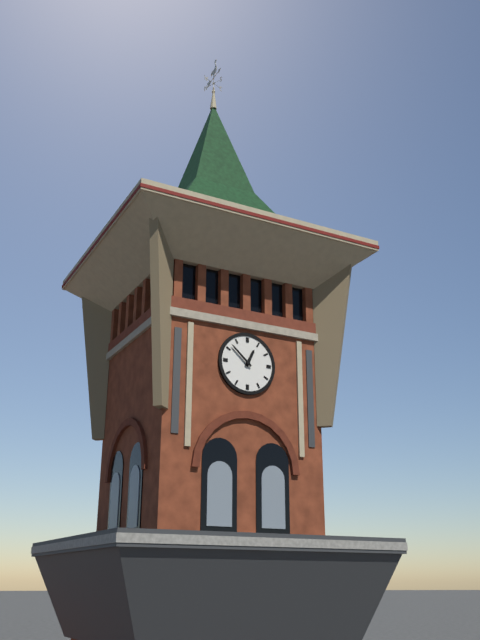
12 h 52 min
